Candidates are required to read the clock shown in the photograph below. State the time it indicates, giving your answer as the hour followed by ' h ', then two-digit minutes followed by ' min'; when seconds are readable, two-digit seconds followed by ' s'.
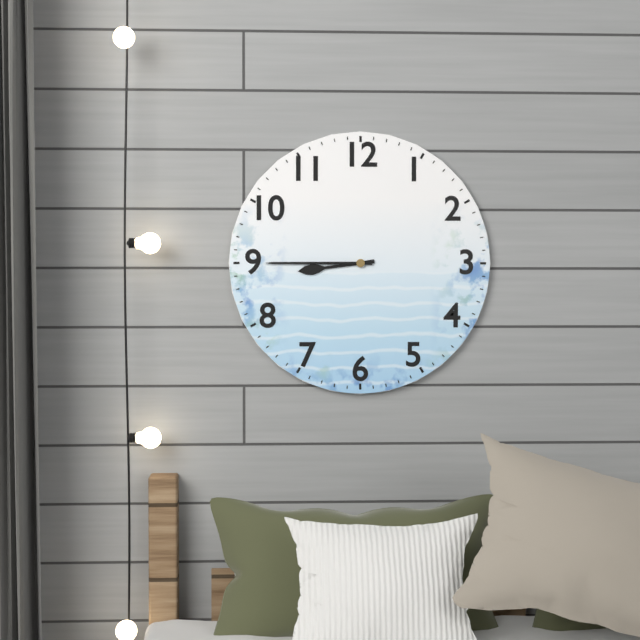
8 h 45 min
